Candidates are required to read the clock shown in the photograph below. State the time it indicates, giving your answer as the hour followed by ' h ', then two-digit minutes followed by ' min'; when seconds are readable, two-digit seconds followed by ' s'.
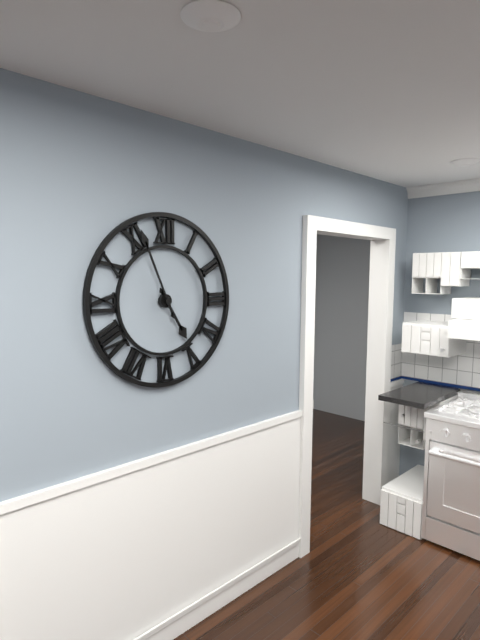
4 h 56 min
